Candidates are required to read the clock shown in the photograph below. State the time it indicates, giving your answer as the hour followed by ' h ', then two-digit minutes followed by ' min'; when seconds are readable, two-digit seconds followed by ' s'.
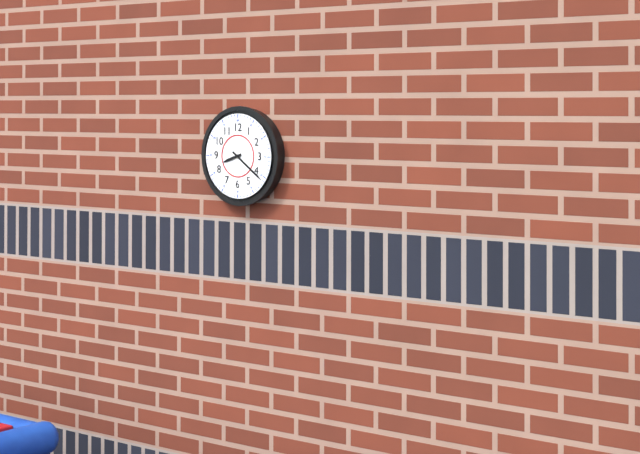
8 h 21 min
